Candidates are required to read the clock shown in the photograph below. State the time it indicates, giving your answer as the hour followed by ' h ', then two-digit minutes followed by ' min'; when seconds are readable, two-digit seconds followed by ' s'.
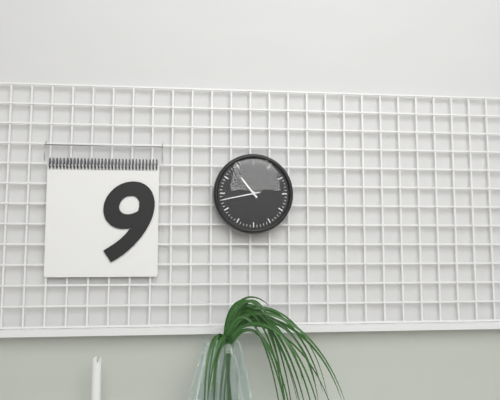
10 h 43 min
